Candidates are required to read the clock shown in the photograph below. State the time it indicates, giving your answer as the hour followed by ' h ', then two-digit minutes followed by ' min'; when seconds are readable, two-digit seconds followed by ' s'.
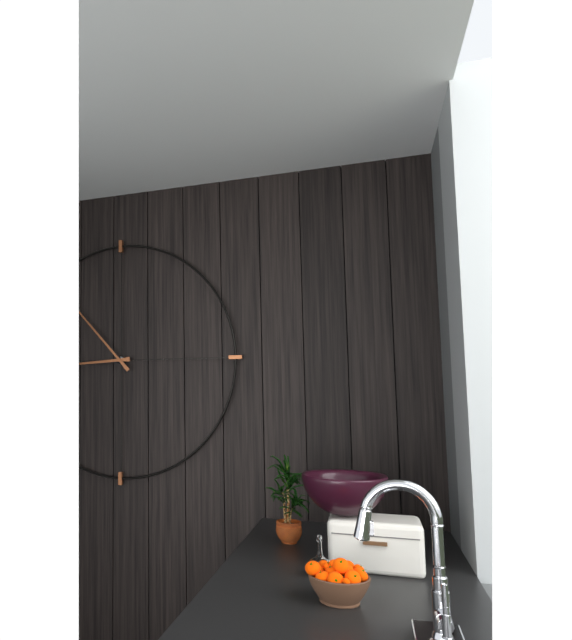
8 h 53 min
